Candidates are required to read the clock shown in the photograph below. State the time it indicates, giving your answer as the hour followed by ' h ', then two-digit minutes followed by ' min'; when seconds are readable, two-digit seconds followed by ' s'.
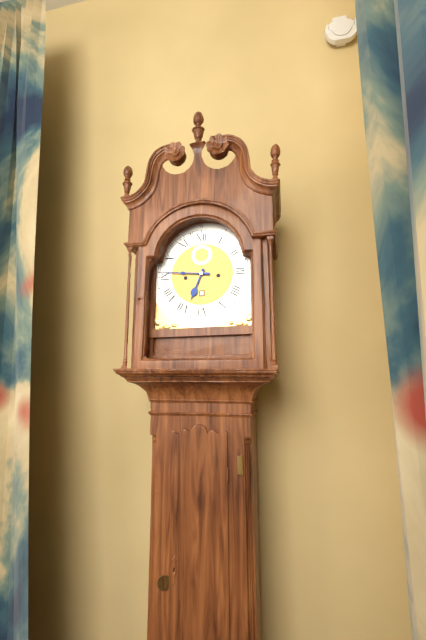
6 h 46 min
